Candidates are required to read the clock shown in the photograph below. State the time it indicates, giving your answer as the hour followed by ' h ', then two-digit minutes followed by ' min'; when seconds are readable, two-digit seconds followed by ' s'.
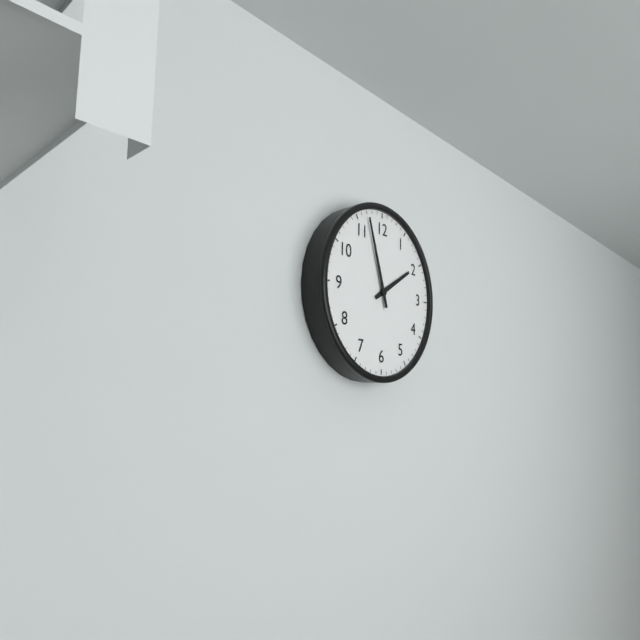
1 h 57 min
